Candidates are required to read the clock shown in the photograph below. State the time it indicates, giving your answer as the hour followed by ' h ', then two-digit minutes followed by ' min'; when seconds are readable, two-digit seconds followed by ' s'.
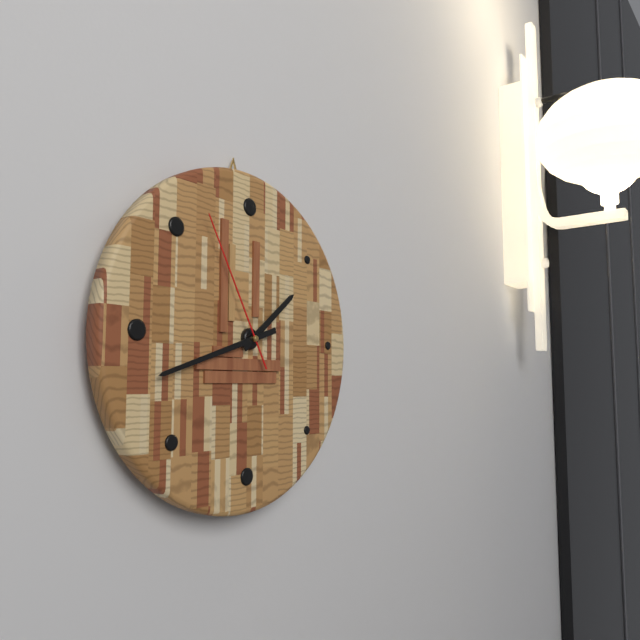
1 h 42 min 55 s
